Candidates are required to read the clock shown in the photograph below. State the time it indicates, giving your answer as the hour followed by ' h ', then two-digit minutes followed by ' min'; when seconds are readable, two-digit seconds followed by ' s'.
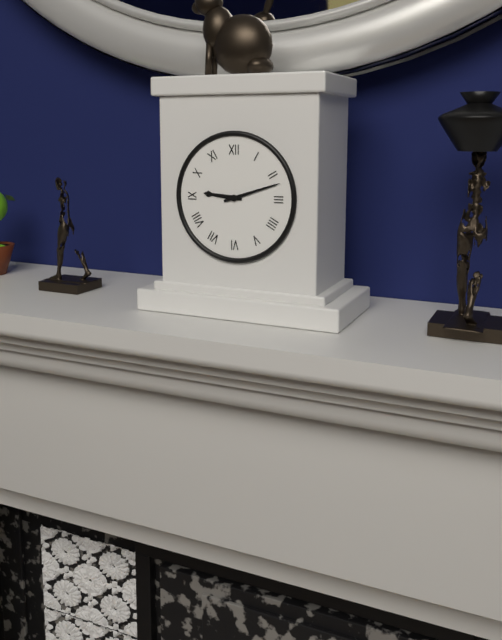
9 h 12 min
